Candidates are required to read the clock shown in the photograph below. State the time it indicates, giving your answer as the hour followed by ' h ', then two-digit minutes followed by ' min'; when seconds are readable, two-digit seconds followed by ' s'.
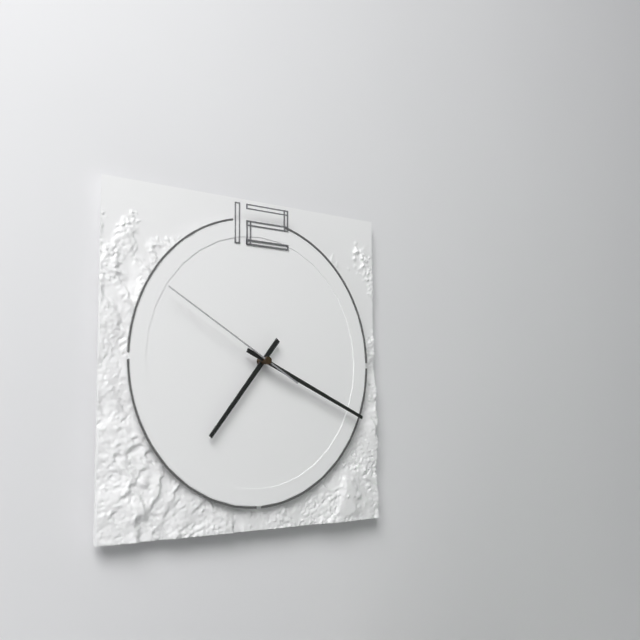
7 h 19 min 50 s
